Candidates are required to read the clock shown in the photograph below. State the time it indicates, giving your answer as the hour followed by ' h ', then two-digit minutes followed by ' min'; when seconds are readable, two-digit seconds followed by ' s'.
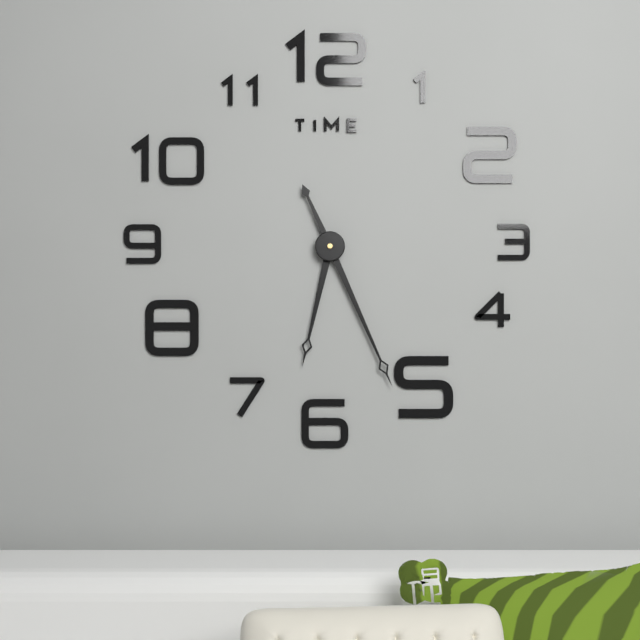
6 h 26 min
